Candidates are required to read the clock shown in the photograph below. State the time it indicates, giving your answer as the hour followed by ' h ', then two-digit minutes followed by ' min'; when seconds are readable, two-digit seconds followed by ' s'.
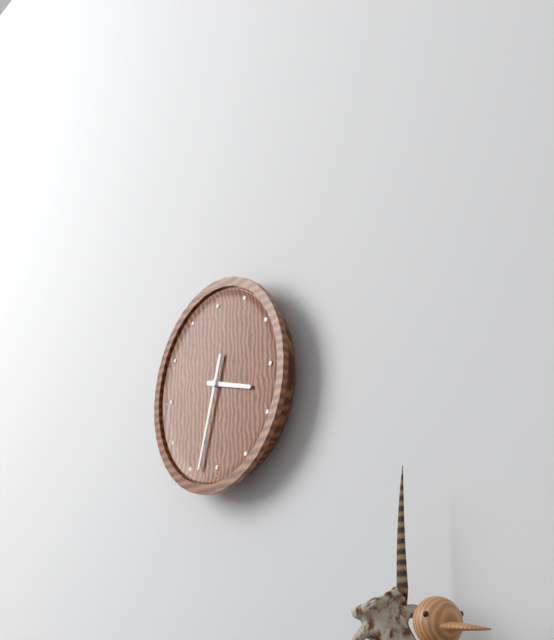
3 h 33 min
